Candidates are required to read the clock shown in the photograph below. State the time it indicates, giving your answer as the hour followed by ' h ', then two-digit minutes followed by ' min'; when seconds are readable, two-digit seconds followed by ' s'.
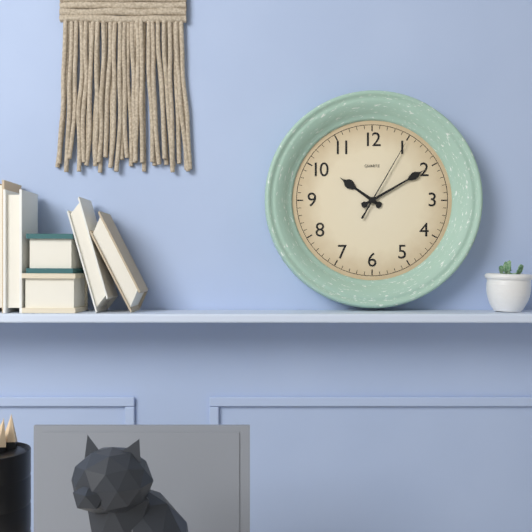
10 h 10 min 05 s
